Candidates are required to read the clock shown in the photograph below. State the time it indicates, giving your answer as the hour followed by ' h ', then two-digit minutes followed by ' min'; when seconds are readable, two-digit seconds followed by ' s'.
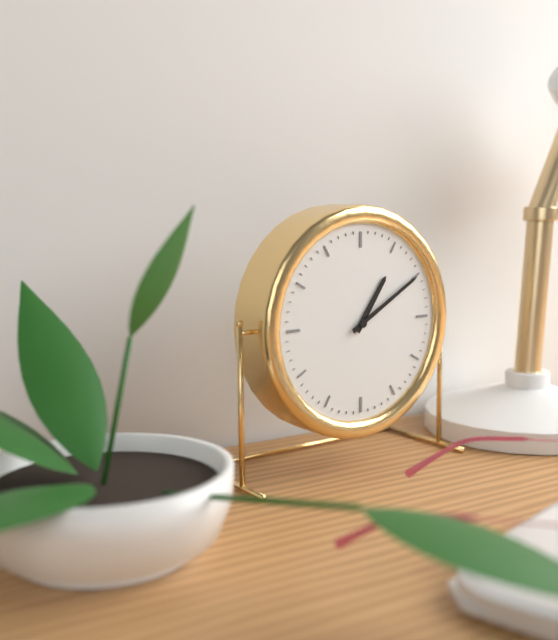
1 h 10 min
